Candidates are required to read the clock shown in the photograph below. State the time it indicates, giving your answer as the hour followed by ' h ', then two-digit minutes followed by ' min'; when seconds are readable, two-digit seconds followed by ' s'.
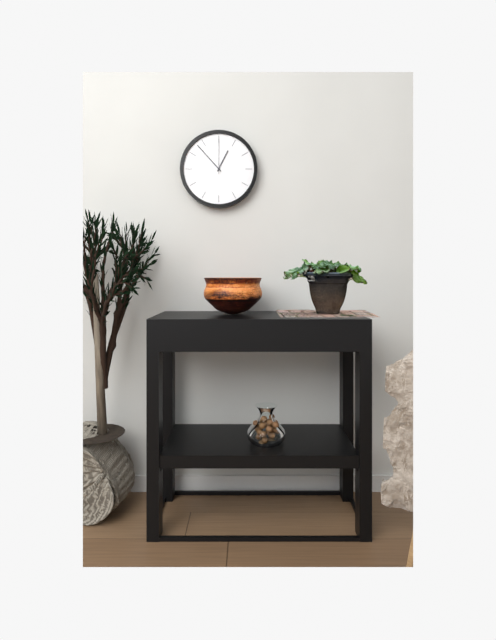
12 h 53 min
